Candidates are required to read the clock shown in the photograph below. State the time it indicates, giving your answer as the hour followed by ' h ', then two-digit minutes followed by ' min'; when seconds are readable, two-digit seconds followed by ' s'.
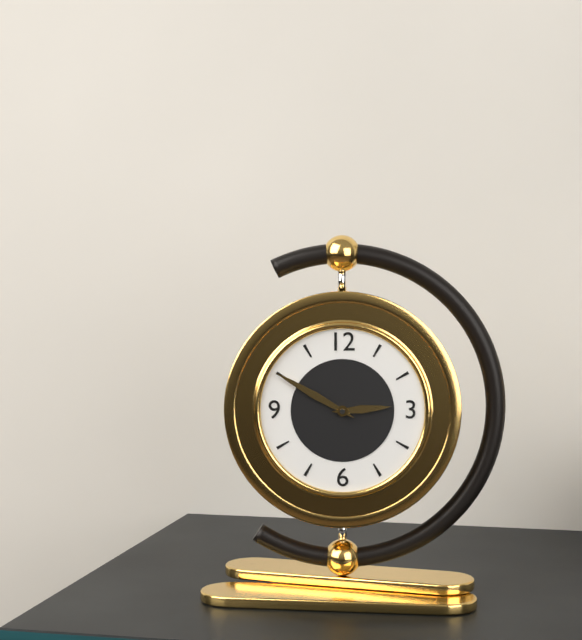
2 h 50 min
